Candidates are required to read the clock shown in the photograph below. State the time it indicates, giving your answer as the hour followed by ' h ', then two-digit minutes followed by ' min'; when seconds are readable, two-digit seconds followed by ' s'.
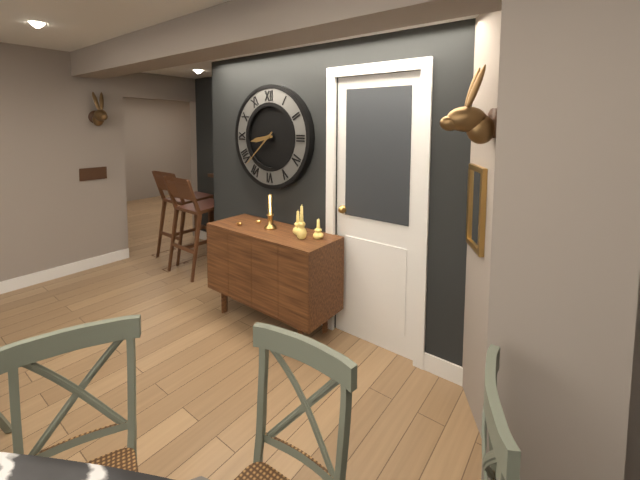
8 h 38 min
